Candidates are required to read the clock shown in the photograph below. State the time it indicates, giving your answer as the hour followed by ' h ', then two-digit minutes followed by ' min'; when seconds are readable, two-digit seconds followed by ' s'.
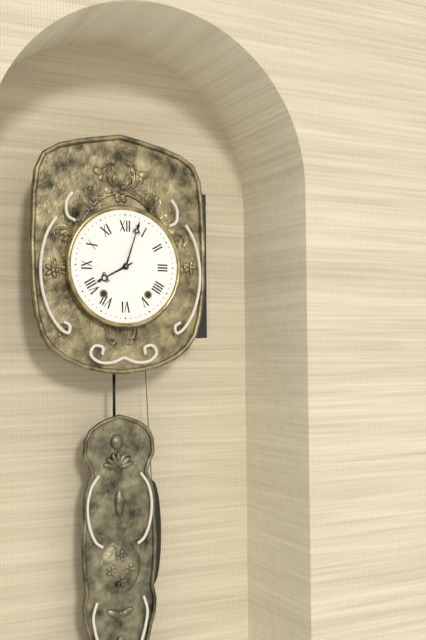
8 h 03 min
